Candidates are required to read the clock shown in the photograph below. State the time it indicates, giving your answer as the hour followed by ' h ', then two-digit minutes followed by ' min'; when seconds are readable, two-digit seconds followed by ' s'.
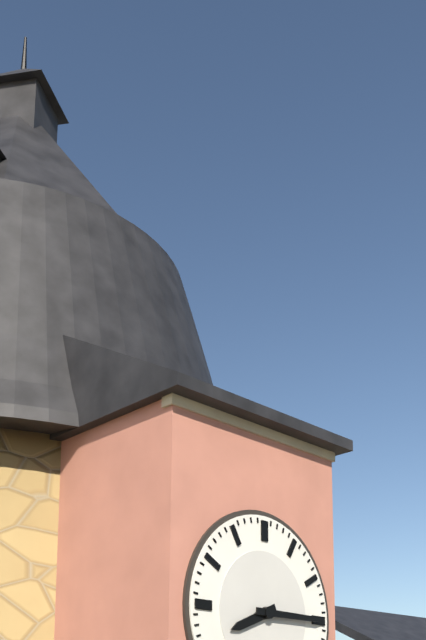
8 h 15 min
